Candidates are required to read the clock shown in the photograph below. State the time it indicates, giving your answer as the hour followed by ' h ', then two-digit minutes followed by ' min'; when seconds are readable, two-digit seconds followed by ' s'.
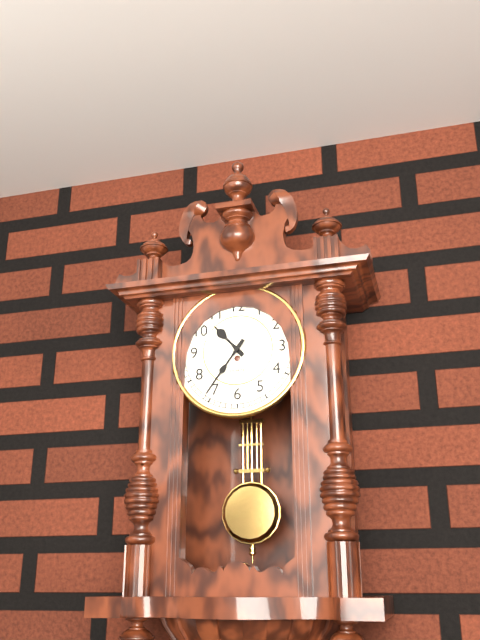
10 h 36 min
